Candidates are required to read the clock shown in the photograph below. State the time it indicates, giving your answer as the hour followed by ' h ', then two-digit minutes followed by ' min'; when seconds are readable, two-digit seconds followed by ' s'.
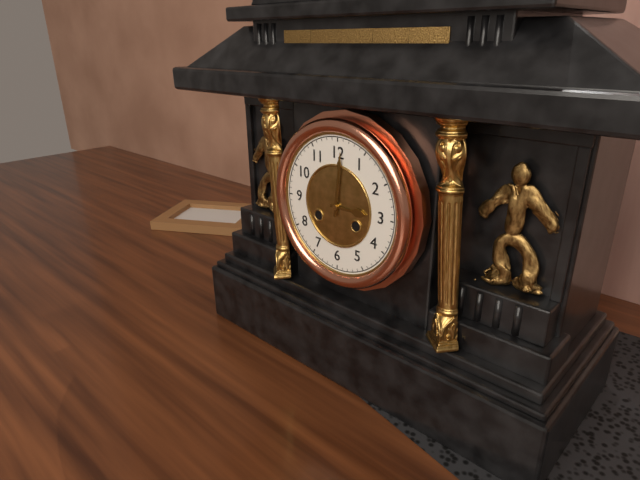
3 h 01 min
